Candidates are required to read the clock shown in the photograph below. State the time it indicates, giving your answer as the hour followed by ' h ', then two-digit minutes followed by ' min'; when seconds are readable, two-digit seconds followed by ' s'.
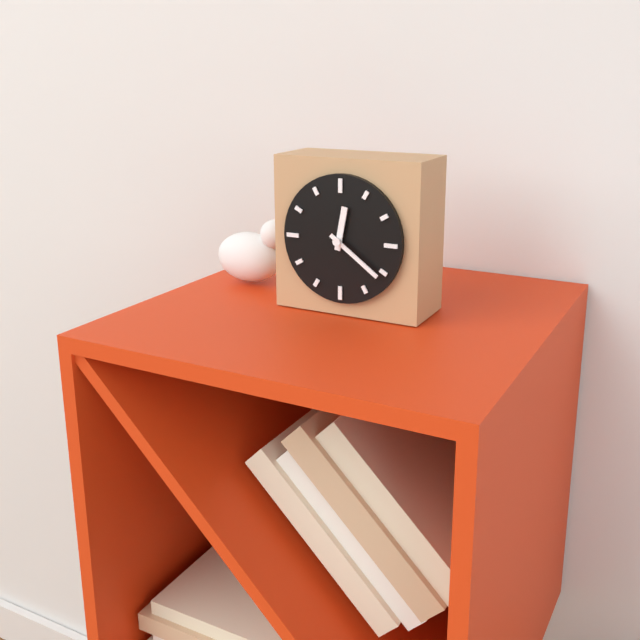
12 h 21 min
